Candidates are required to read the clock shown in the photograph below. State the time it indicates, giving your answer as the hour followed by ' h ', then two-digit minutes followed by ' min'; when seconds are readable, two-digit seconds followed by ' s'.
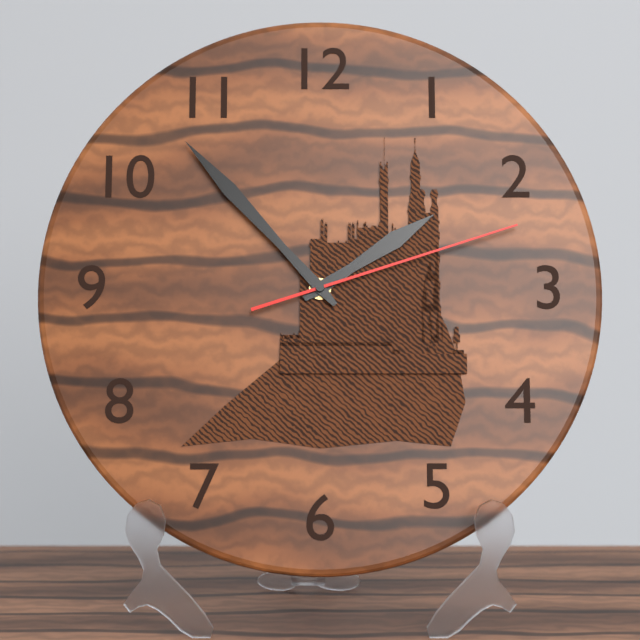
1 h 53 min 12 s
